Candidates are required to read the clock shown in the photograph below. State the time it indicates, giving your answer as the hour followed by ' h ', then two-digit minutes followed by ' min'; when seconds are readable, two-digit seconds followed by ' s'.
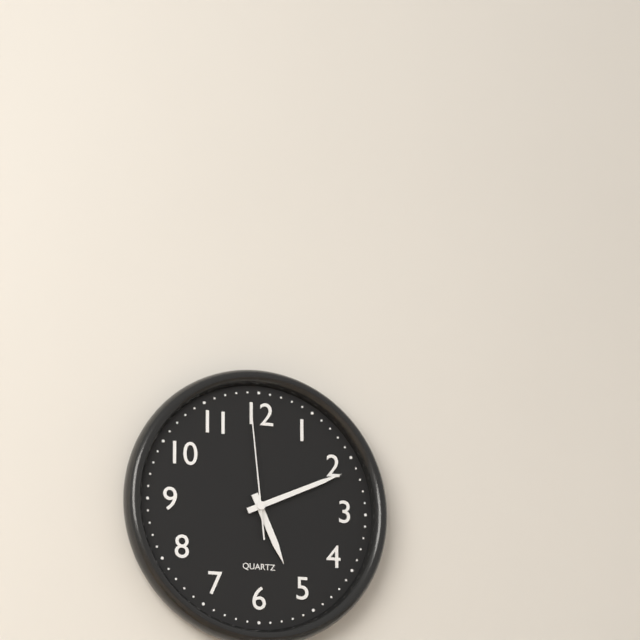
5 h 11 min 59 s
